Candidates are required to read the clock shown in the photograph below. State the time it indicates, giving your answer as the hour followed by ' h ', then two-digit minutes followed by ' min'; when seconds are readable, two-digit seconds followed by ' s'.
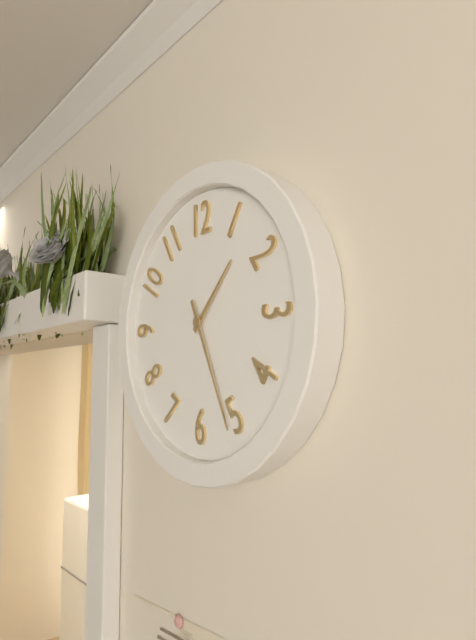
1 h 26 min
